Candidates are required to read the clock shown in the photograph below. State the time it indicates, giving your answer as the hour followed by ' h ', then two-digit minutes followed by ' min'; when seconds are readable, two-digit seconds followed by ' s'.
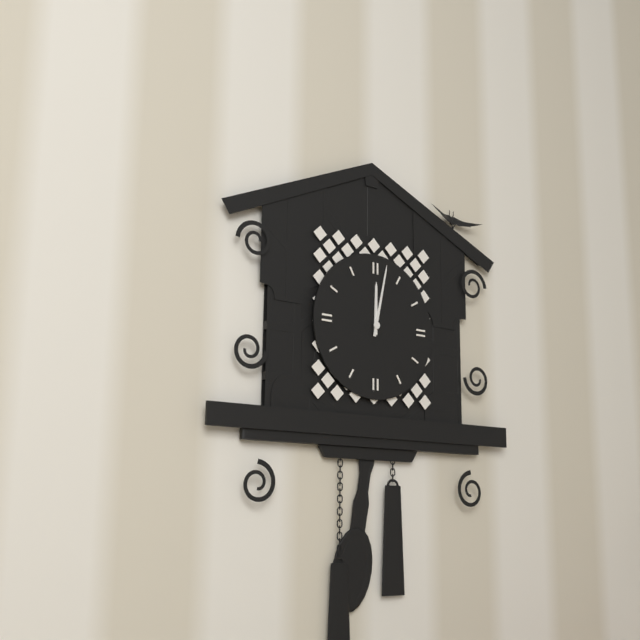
12 h 02 min
